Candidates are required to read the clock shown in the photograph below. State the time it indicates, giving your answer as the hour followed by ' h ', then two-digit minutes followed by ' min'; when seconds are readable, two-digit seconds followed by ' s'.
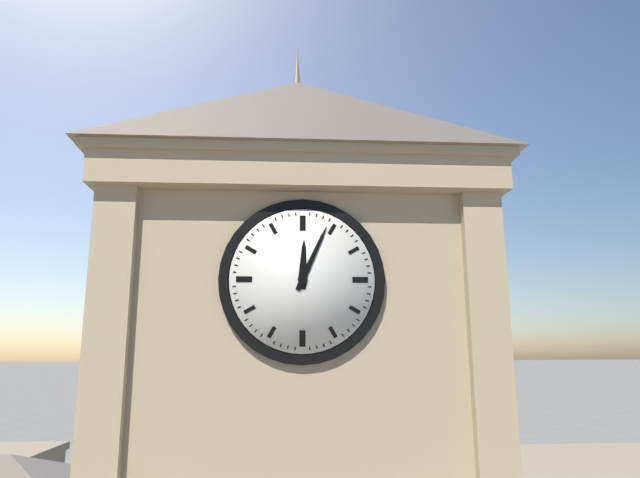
12 h 04 min
